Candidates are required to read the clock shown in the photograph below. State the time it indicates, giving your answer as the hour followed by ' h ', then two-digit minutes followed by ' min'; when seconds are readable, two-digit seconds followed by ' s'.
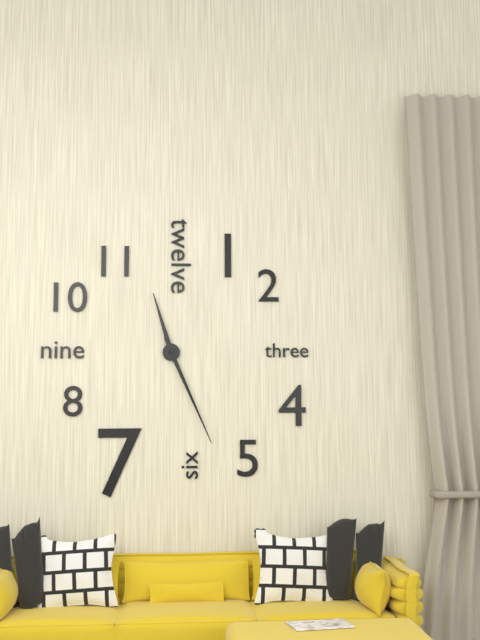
11 h 26 min
